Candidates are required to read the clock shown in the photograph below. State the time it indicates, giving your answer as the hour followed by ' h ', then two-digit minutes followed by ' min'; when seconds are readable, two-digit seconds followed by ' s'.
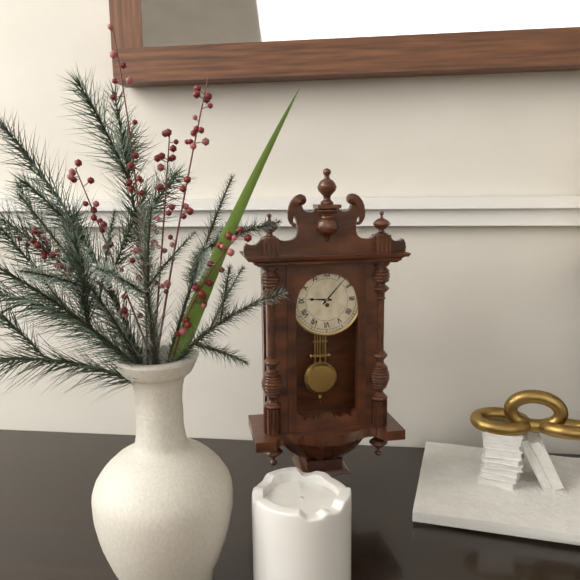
9 h 07 min
